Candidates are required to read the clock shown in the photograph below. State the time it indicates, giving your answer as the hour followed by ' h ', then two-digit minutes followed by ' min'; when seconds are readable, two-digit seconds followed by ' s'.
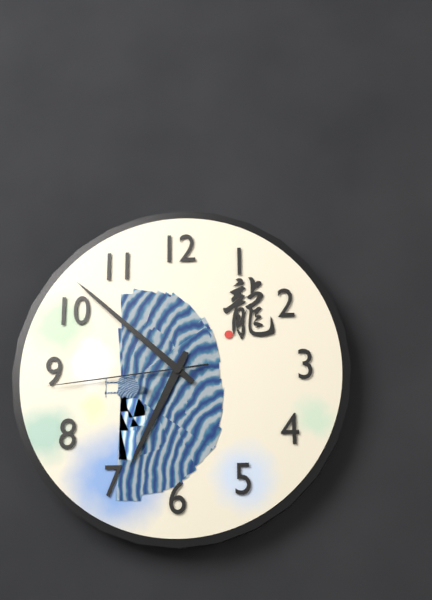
6 h 52 min 44 s
